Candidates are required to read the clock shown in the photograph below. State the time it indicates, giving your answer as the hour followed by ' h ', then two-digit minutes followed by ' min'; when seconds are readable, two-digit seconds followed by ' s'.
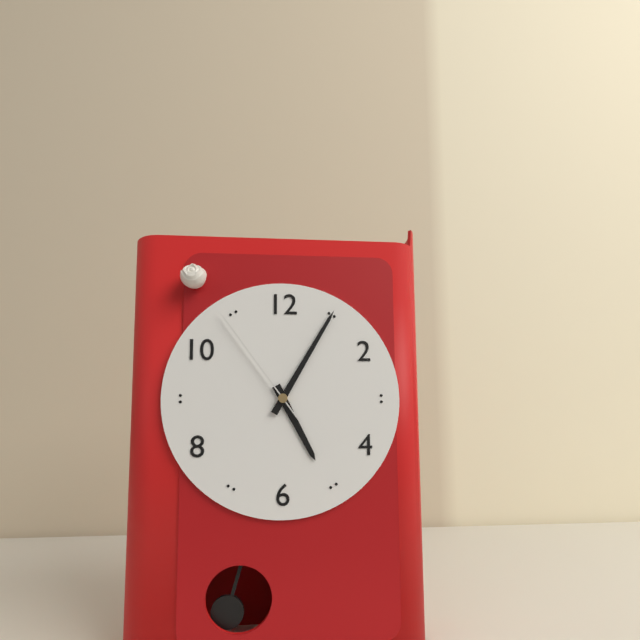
5 h 05 min 54 s
